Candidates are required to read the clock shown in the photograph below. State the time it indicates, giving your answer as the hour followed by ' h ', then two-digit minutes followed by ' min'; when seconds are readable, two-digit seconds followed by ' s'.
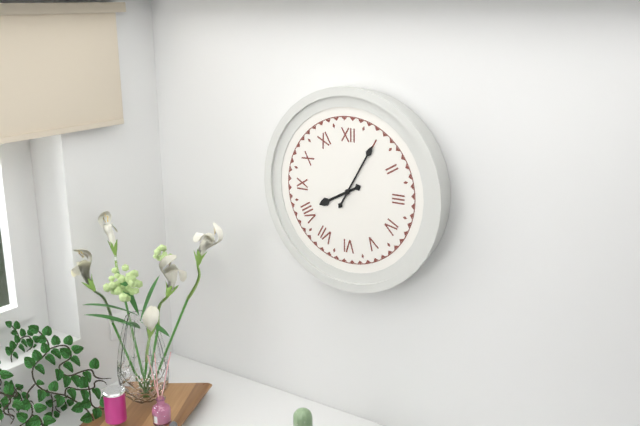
8 h 05 min
